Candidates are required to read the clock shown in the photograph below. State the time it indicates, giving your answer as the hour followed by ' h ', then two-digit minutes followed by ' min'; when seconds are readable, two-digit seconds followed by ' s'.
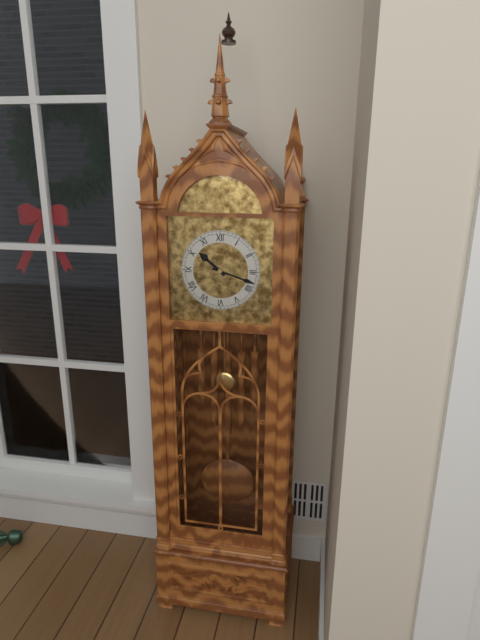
10 h 18 min
